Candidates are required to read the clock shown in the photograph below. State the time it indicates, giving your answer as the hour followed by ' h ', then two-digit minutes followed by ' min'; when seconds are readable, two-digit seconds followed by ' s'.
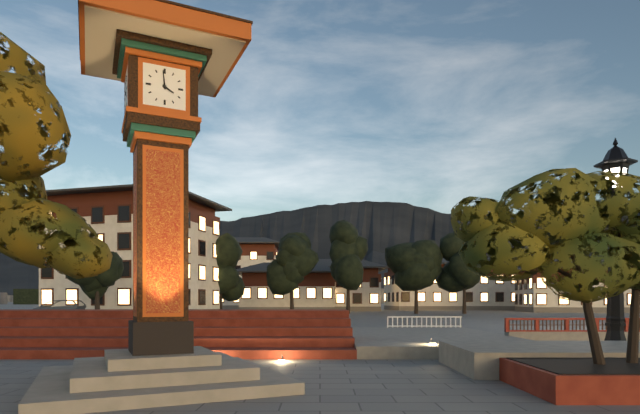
3 h 59 min
